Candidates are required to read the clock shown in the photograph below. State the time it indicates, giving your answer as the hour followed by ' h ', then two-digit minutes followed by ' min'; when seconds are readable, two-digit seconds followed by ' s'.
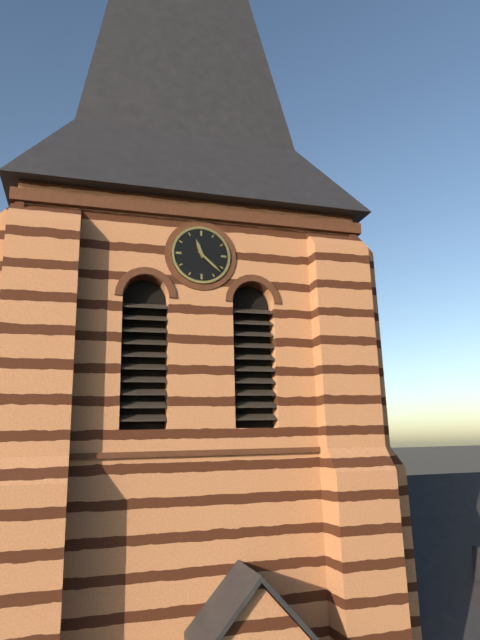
11 h 22 min
